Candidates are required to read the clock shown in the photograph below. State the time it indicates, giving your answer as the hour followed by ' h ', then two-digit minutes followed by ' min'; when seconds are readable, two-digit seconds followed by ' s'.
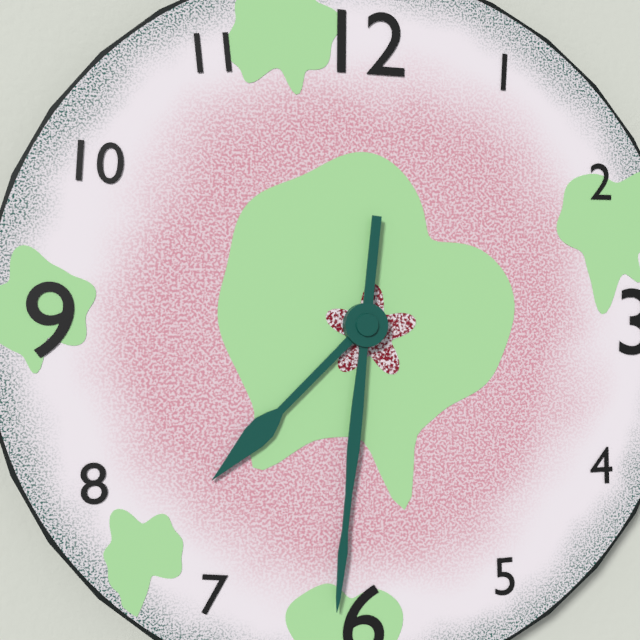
7 h 31 min
